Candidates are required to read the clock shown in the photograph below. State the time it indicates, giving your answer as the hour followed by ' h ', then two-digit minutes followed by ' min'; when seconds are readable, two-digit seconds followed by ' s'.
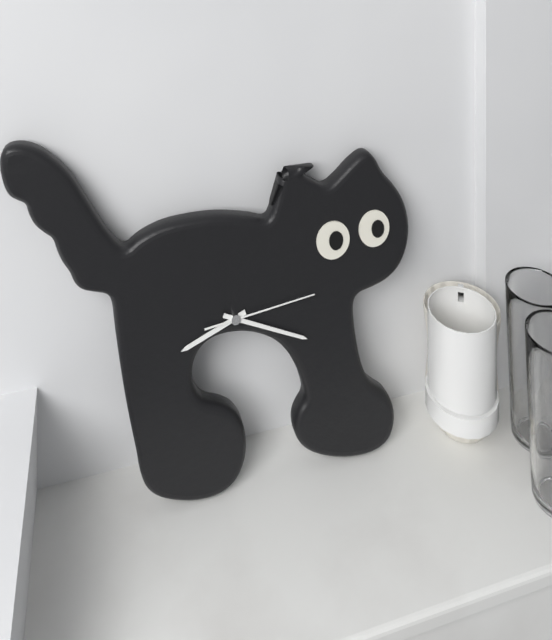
8 h 19 min 14 s
